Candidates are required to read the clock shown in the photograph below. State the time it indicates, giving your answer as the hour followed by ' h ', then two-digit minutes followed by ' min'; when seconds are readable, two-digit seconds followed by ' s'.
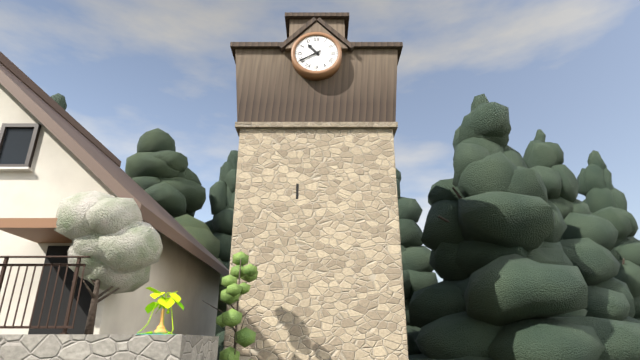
10 h 40 min
